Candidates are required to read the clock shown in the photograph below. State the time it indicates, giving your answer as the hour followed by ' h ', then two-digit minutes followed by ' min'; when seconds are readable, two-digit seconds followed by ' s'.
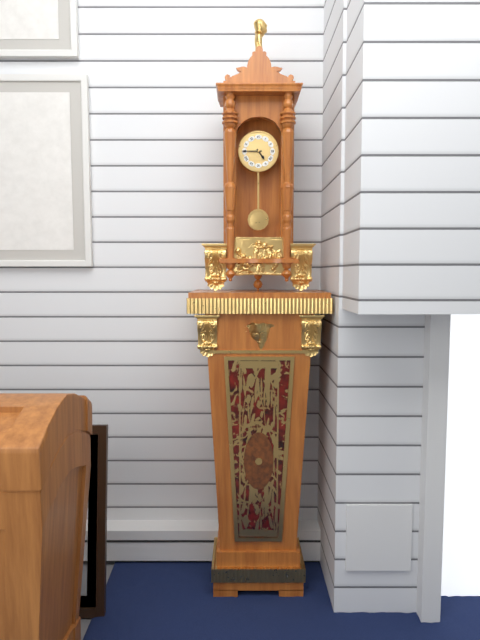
4 h 45 min
